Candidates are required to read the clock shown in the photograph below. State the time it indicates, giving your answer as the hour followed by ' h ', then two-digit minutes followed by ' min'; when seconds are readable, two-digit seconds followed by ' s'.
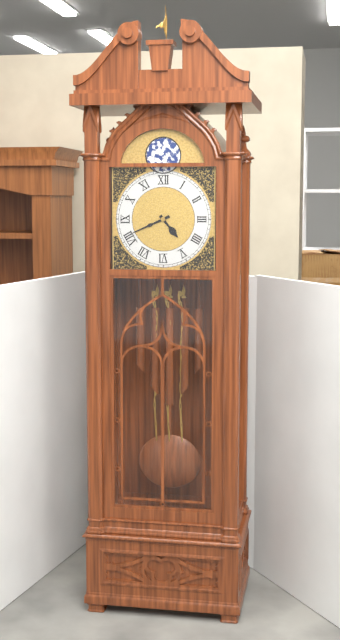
4 h 41 min
